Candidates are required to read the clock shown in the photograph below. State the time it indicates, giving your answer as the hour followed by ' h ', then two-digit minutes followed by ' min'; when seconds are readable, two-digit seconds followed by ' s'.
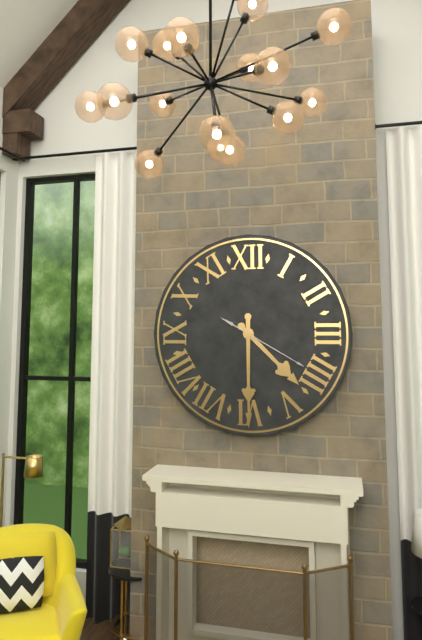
4 h 30 min 20 s
